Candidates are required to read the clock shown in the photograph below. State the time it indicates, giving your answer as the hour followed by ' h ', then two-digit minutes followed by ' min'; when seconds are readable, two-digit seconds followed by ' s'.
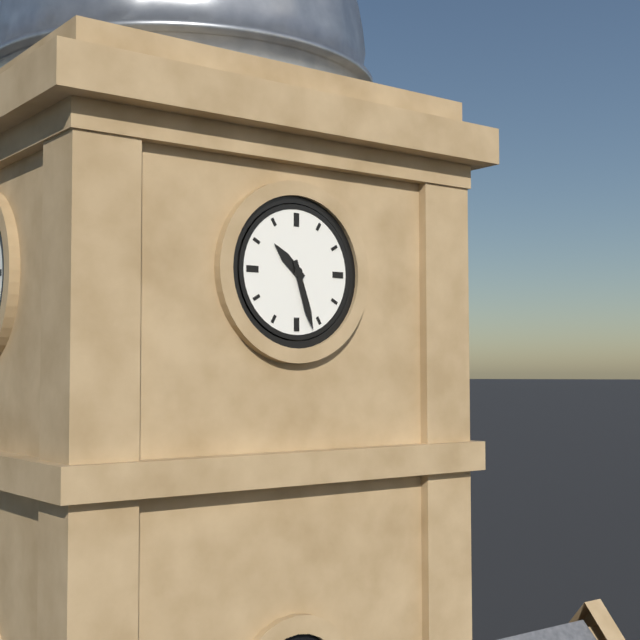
10 h 27 min
